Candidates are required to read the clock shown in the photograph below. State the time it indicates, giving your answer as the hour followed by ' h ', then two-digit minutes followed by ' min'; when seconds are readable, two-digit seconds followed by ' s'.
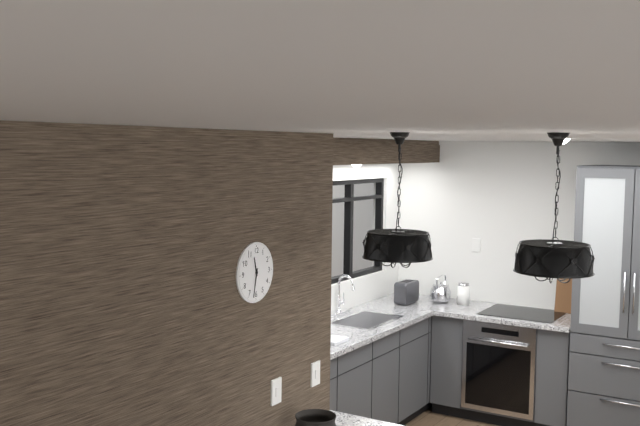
11 h 32 min
